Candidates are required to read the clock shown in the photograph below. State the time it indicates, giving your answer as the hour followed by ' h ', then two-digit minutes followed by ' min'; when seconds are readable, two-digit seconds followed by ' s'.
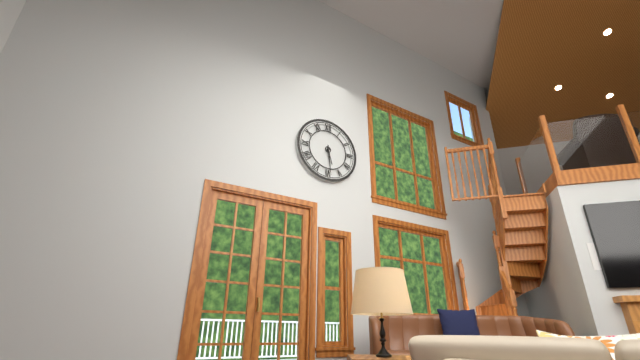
5 h 29 min
